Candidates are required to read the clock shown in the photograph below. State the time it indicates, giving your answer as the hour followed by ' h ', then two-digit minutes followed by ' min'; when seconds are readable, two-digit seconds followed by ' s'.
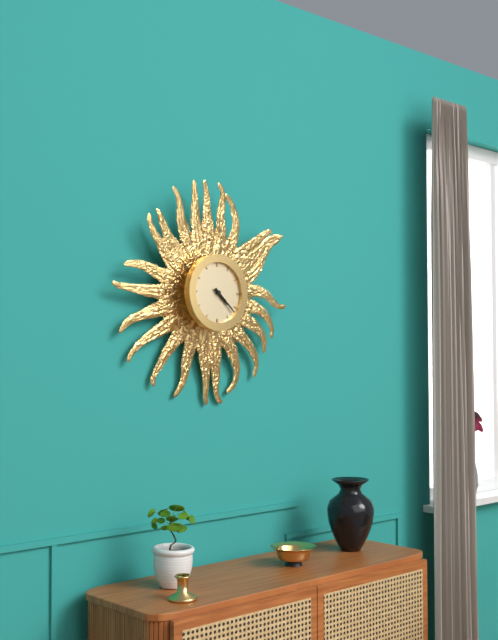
4 h 22 min
